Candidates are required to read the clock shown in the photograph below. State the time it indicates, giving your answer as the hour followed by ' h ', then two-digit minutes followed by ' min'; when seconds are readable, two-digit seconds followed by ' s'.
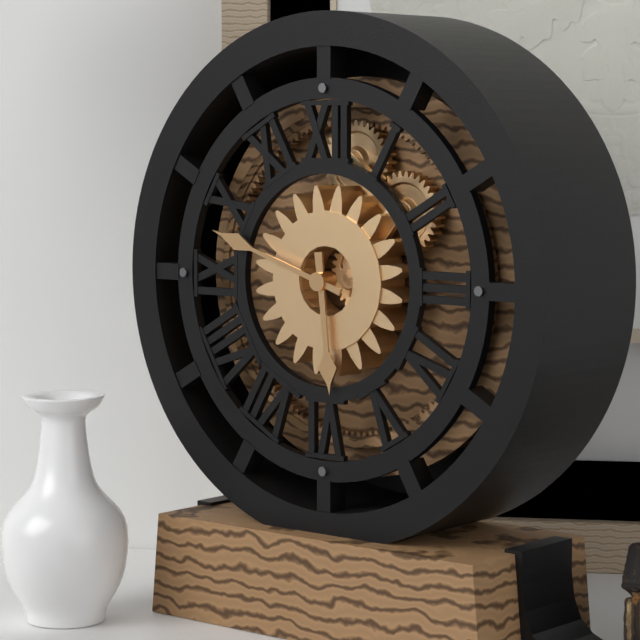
5 h 48 min
